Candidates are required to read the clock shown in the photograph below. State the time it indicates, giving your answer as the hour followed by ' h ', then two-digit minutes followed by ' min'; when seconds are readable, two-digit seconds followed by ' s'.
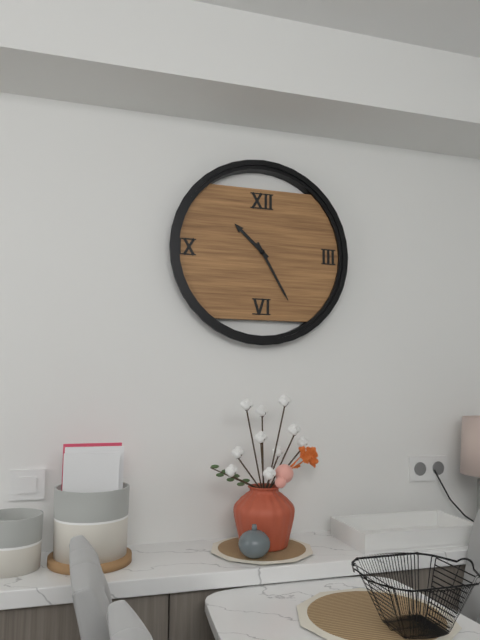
10 h 25 min
